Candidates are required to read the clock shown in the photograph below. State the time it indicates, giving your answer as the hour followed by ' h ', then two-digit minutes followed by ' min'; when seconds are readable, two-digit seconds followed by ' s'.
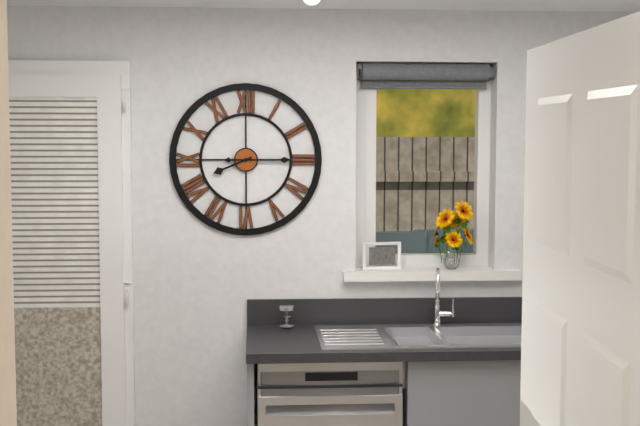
8 h 15 min
